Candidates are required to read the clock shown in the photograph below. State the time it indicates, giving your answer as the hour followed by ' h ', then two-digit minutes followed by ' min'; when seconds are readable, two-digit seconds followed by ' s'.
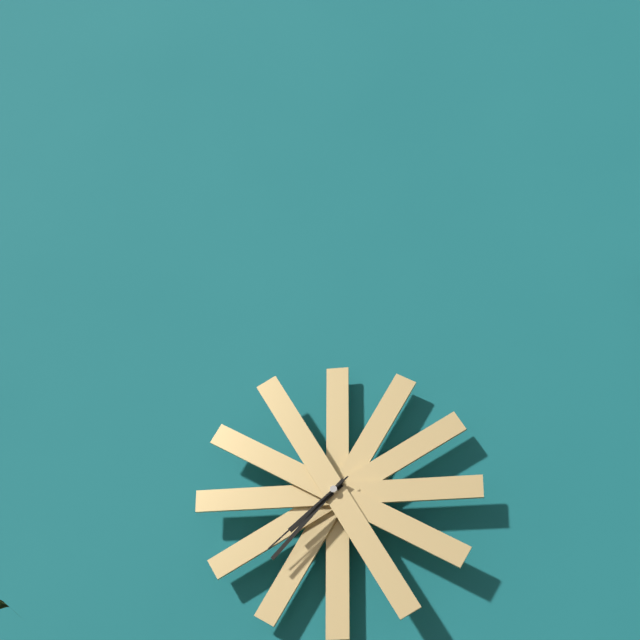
7 h 37 min 38 s
